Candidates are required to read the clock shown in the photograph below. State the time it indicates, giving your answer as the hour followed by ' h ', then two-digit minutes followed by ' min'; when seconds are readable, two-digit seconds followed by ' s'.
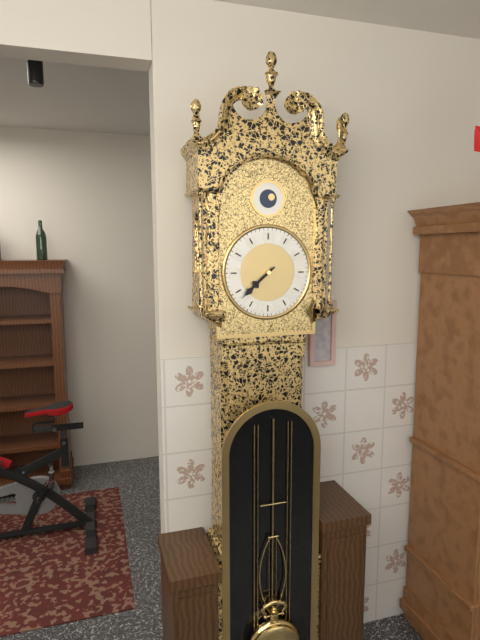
7 h 38 min
